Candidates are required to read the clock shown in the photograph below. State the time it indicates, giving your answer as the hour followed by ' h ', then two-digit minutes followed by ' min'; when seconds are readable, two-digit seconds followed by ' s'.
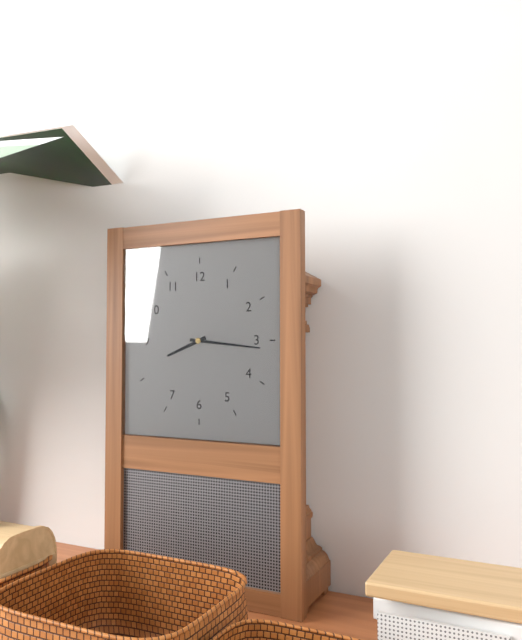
8 h 16 min
